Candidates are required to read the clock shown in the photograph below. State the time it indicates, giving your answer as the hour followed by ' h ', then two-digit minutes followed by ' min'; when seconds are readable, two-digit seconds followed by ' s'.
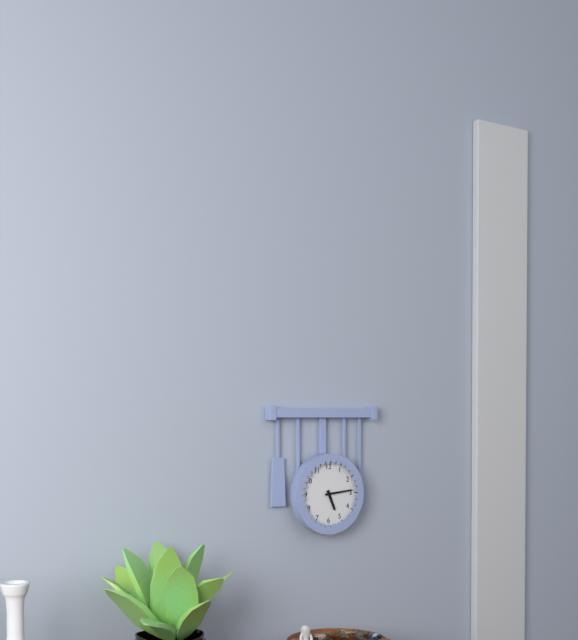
5 h 14 min
